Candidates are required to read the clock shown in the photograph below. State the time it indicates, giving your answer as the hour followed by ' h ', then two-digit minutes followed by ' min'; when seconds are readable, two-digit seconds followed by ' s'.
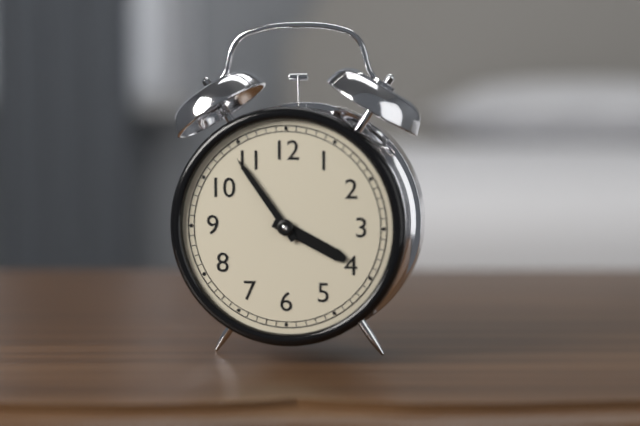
3 h 54 min
